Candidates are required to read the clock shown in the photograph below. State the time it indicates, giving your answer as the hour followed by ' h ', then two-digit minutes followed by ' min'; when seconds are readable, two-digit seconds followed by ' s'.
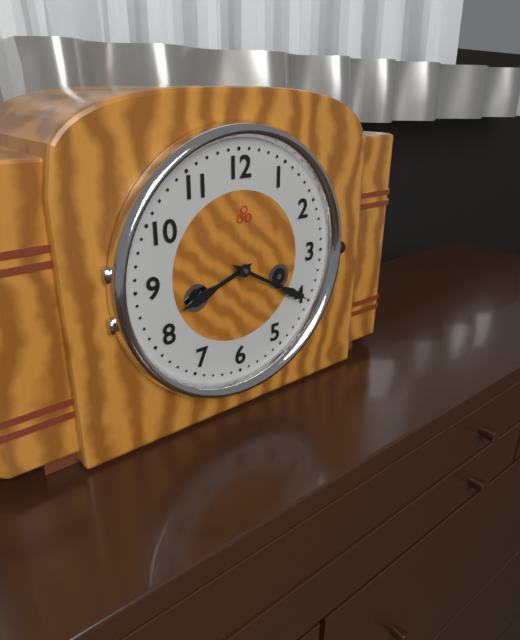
8 h 20 min
